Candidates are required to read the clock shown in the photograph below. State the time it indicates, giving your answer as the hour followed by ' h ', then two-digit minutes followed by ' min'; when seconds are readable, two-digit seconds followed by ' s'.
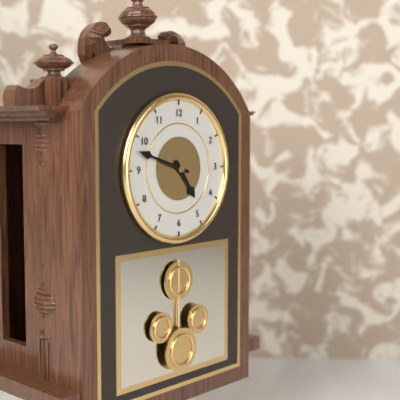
4 h 48 min
